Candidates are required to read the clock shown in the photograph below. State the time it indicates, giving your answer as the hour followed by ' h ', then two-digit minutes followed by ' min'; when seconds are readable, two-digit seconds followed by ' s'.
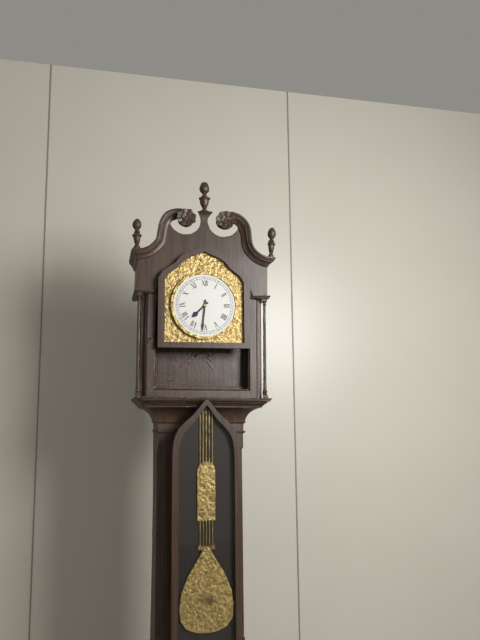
7 h 31 min
